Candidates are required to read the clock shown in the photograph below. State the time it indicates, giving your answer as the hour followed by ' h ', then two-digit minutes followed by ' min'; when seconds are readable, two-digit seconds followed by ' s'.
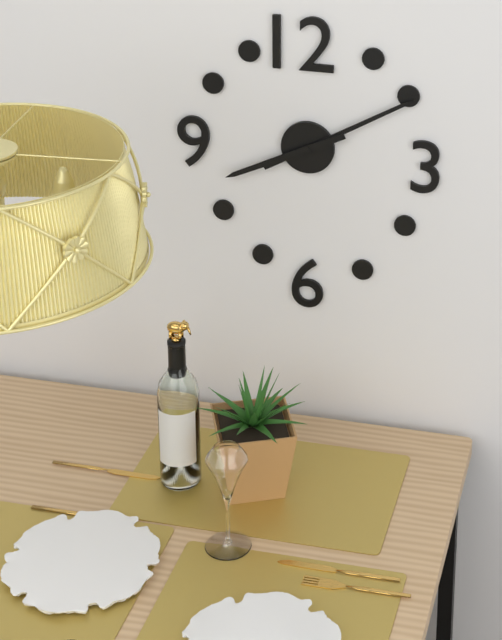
8 h 10 min
